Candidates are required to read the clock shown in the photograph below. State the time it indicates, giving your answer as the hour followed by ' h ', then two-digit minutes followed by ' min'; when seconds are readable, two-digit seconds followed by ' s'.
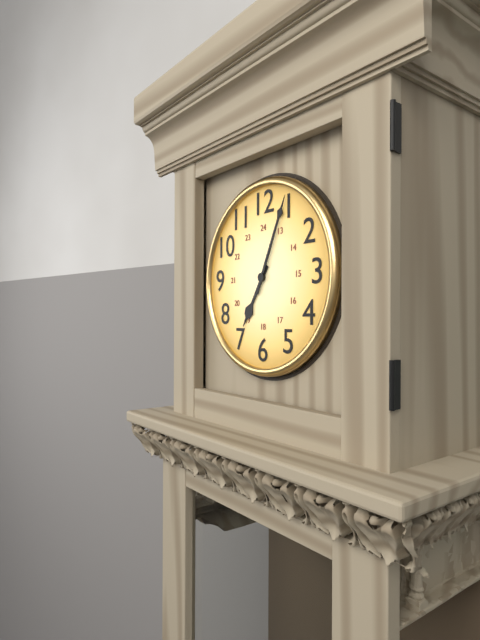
7 h 04 min
